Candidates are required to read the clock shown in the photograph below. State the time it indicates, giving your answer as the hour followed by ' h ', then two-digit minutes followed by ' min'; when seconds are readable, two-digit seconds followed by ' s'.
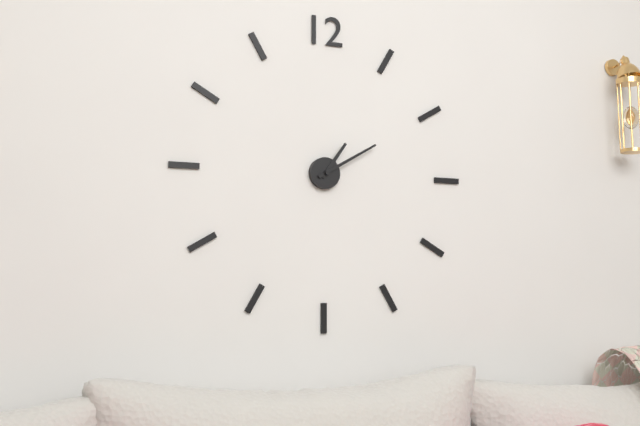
1 h 10 min
